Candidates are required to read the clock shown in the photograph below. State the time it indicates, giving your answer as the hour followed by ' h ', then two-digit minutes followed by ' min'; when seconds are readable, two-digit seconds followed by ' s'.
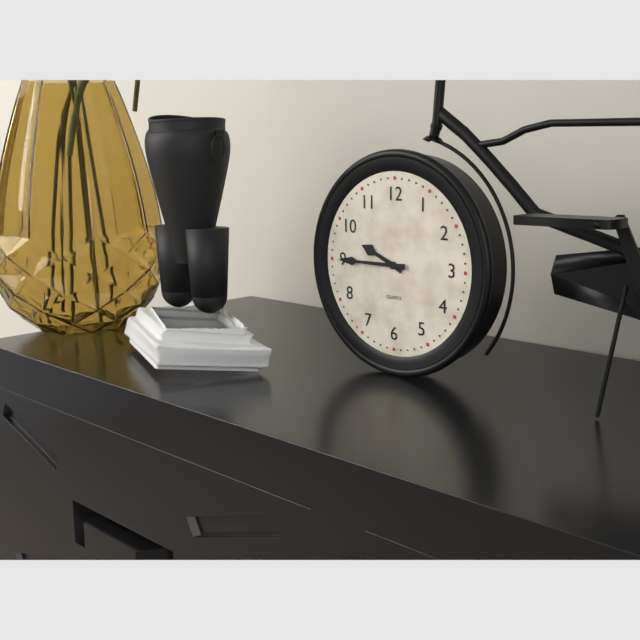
9 h 45 min
